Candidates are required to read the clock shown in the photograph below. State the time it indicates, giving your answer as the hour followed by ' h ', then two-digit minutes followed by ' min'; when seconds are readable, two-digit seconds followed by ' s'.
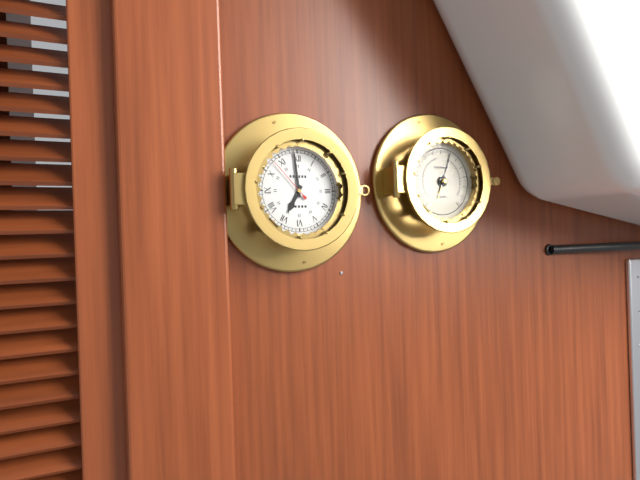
6 h 59 min
